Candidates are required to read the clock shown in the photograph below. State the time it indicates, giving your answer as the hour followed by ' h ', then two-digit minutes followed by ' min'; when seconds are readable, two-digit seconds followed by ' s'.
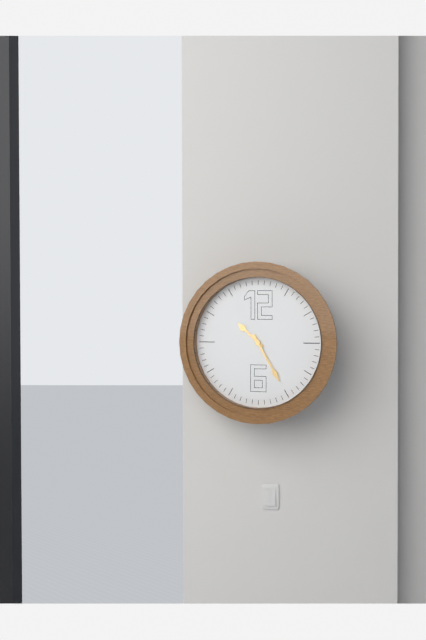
10 h 25 min
